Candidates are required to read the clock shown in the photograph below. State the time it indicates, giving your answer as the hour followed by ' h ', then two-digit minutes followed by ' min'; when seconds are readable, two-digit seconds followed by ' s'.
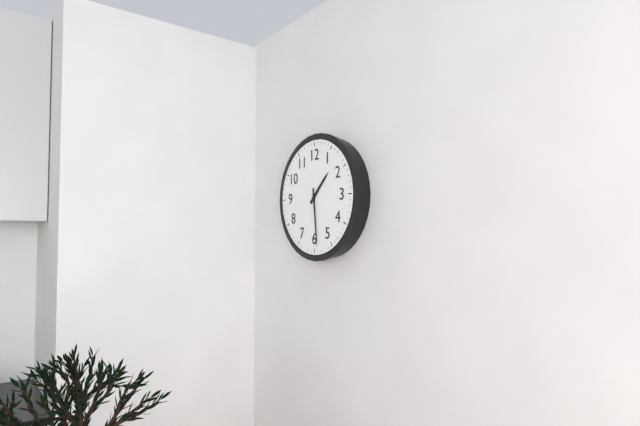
1 h 29 min
